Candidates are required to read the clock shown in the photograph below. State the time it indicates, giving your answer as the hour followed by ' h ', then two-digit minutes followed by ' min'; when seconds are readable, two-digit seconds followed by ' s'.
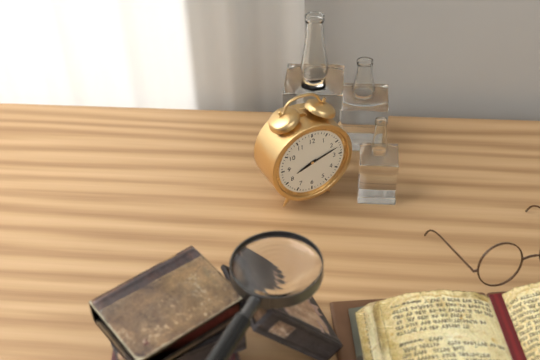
8 h 12 min
